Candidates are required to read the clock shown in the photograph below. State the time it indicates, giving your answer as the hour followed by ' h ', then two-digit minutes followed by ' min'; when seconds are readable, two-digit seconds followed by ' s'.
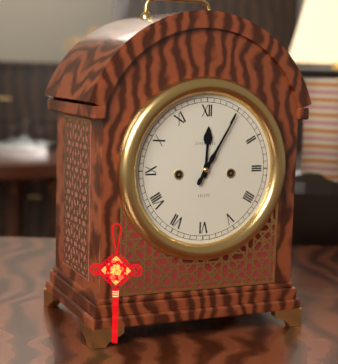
12 h 05 min
